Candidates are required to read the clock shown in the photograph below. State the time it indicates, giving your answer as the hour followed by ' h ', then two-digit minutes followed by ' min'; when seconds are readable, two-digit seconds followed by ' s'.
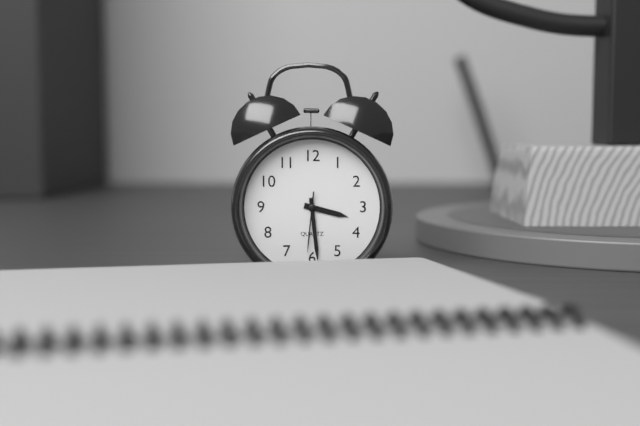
3 h 29 min 31 s
